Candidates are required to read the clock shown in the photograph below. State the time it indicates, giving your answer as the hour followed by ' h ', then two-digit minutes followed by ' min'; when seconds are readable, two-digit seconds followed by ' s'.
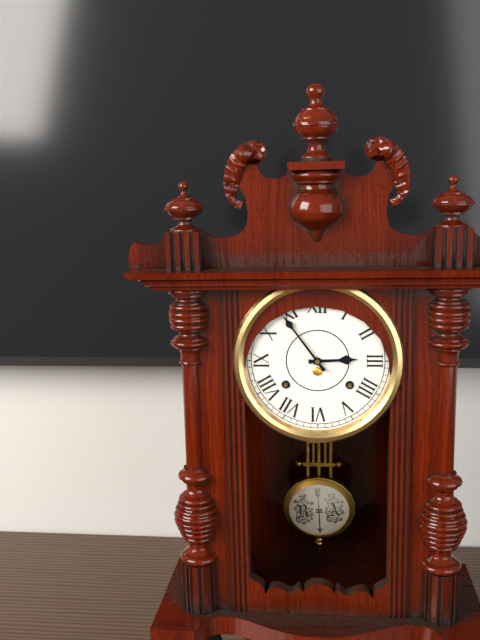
2 h 54 min
